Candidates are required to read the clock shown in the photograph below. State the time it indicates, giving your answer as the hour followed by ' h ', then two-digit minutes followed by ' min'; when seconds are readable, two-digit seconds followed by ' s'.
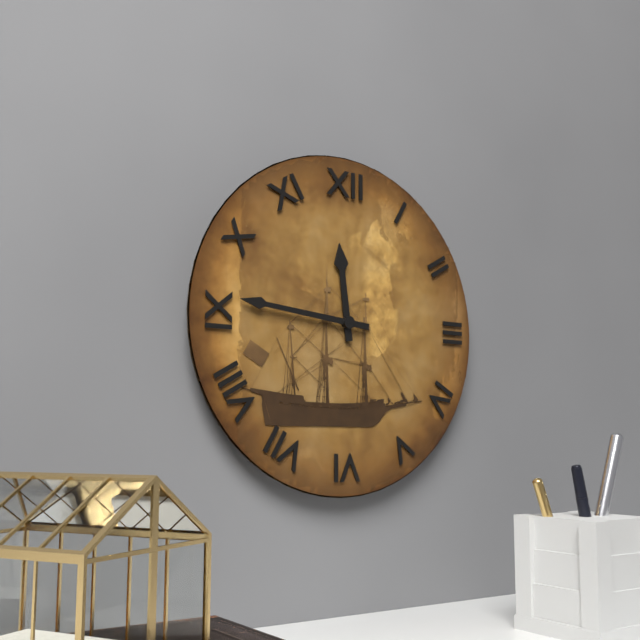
11 h 46 min
